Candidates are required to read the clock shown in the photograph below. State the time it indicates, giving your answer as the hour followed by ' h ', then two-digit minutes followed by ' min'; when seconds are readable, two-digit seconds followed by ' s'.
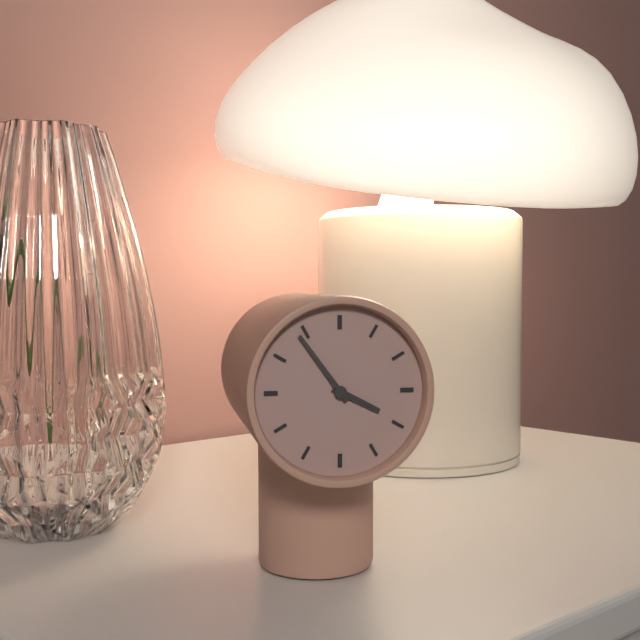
3 h 54 min
